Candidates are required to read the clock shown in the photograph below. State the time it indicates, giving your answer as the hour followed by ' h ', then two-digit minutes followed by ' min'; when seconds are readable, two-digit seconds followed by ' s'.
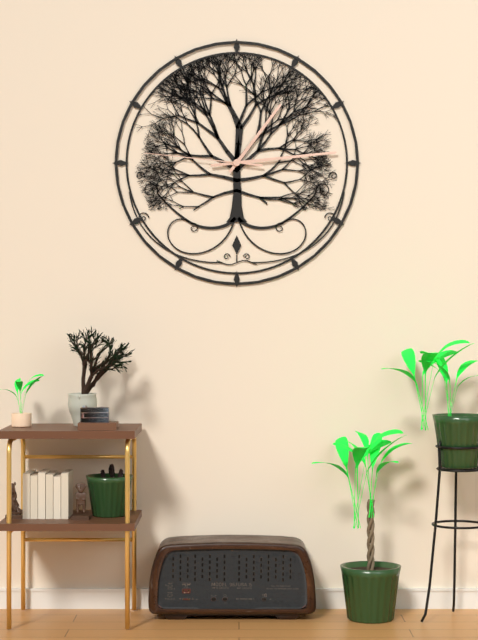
1 h 14 min 46 s
